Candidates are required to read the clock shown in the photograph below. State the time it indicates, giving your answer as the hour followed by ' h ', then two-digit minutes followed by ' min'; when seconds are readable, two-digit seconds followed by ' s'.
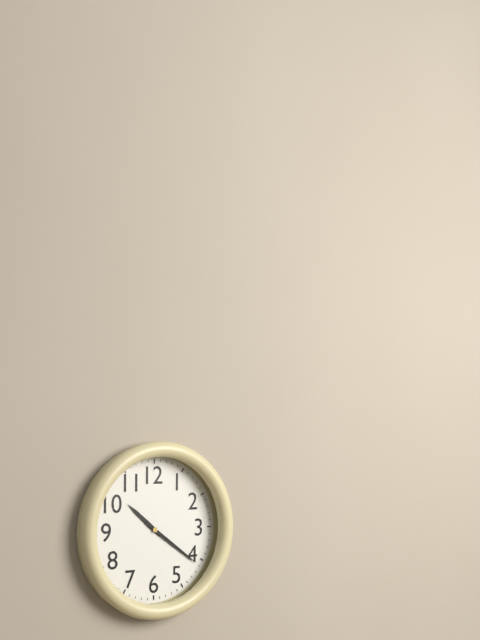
10 h 21 min
